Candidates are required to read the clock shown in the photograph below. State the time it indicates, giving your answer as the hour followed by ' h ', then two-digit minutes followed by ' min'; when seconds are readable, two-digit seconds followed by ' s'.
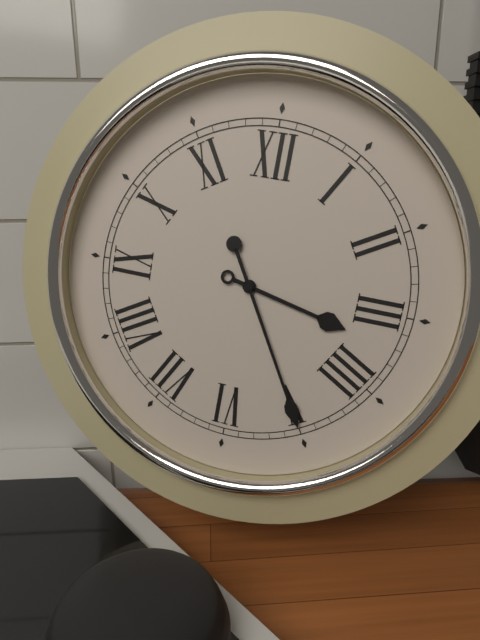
3 h 25 min
